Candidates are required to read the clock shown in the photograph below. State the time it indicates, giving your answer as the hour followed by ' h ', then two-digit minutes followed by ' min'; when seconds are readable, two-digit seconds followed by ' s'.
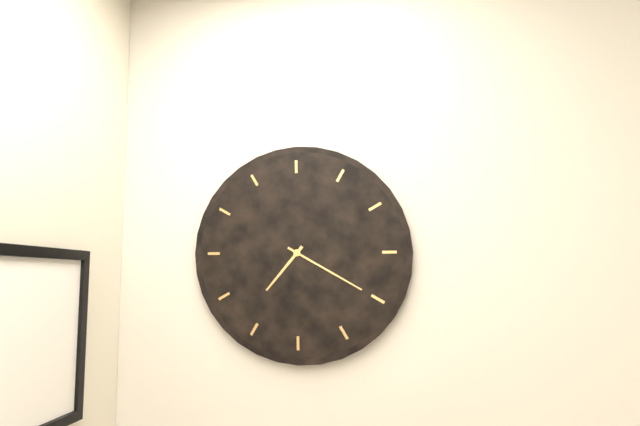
7 h 20 min
